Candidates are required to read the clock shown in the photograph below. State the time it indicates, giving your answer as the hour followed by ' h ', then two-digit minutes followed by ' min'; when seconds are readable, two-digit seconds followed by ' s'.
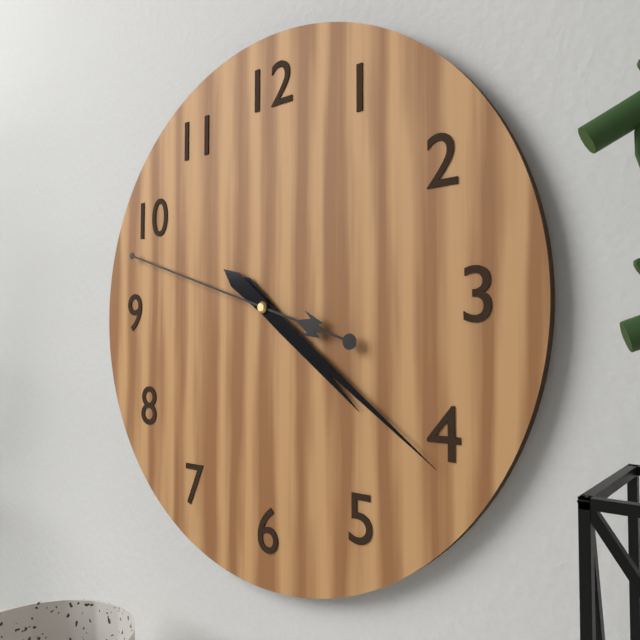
4 h 21 min 48 s
